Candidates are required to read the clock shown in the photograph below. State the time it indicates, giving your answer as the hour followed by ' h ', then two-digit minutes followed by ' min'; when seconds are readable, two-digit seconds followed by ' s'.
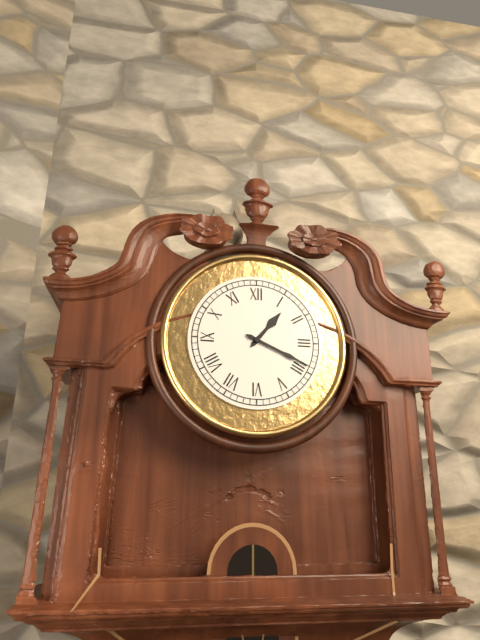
1 h 19 min
